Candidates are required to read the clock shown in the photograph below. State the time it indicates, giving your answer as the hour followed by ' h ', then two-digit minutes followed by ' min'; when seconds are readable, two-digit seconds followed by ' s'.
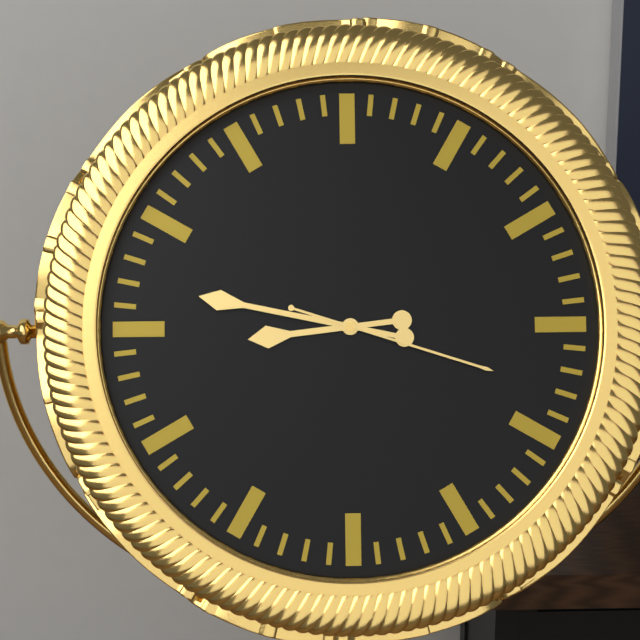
8 h 47 min 18 s
